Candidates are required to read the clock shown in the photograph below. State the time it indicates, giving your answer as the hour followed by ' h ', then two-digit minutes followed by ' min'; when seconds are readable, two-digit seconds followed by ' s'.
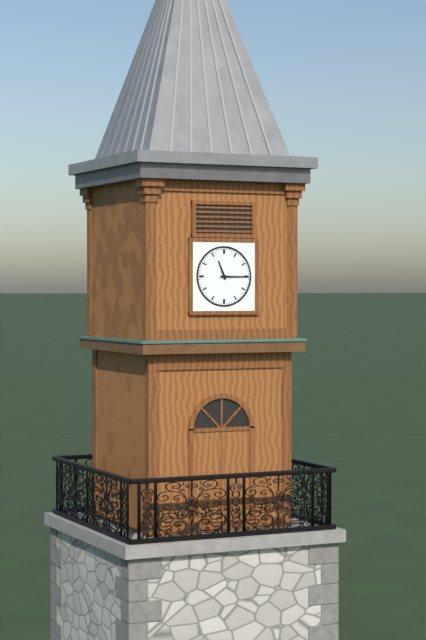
11 h 15 min
